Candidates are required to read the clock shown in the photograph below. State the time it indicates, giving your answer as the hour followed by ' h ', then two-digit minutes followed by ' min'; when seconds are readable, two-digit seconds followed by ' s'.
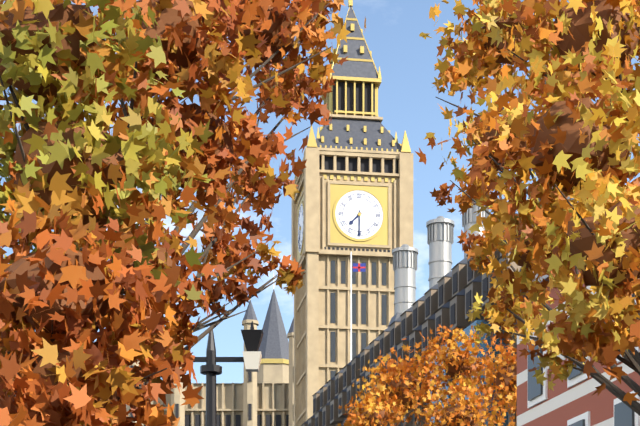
7 h 30 min
